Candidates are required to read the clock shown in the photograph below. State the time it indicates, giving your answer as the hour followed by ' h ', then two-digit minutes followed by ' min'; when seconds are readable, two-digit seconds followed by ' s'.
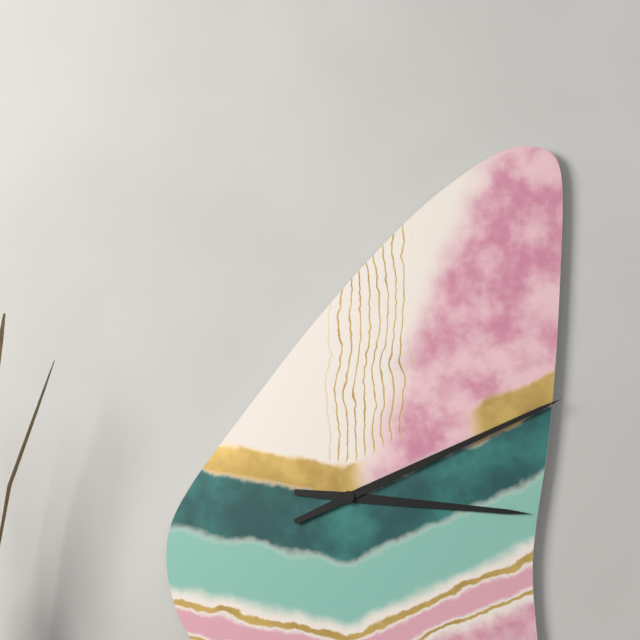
3 h 11 min
